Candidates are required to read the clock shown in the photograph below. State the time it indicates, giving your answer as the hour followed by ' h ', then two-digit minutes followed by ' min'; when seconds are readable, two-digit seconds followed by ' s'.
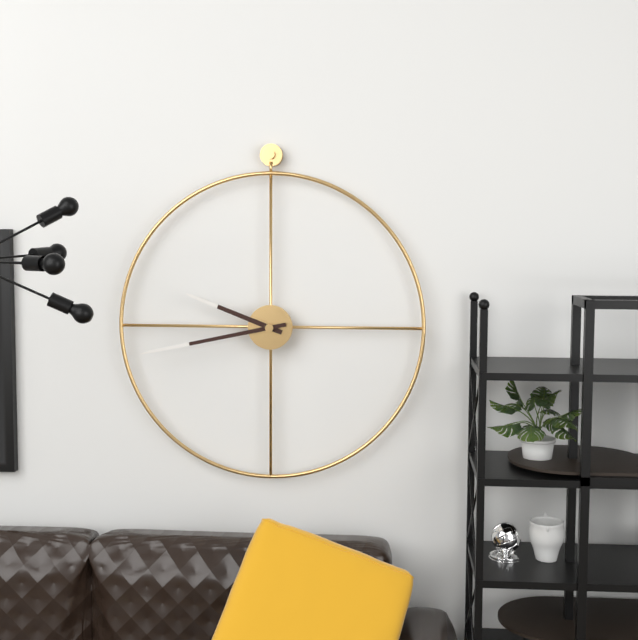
9 h 43 min
